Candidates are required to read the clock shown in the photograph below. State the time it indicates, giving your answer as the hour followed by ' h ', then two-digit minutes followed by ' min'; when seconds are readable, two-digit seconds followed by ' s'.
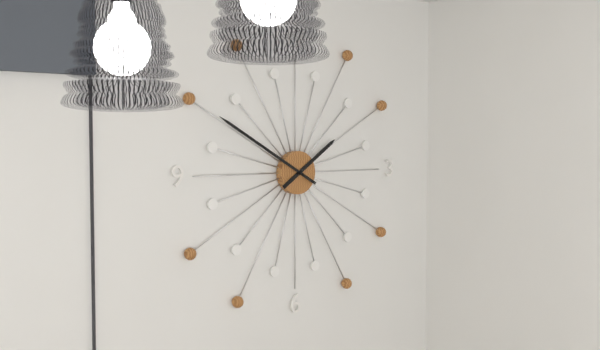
1 h 50 min
